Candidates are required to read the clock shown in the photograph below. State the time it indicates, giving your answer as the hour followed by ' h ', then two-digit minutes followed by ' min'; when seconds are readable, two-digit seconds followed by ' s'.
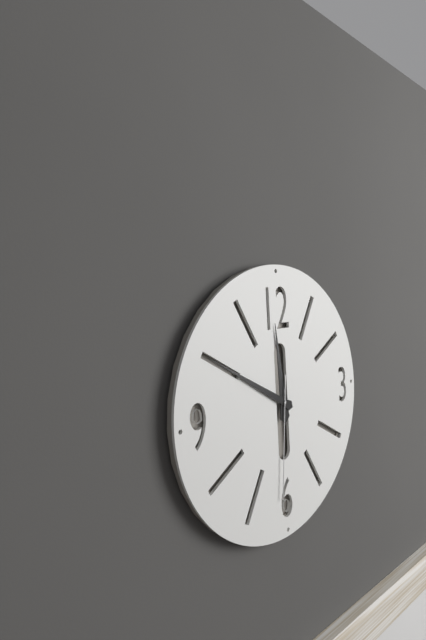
11 h 50 min 31 s
